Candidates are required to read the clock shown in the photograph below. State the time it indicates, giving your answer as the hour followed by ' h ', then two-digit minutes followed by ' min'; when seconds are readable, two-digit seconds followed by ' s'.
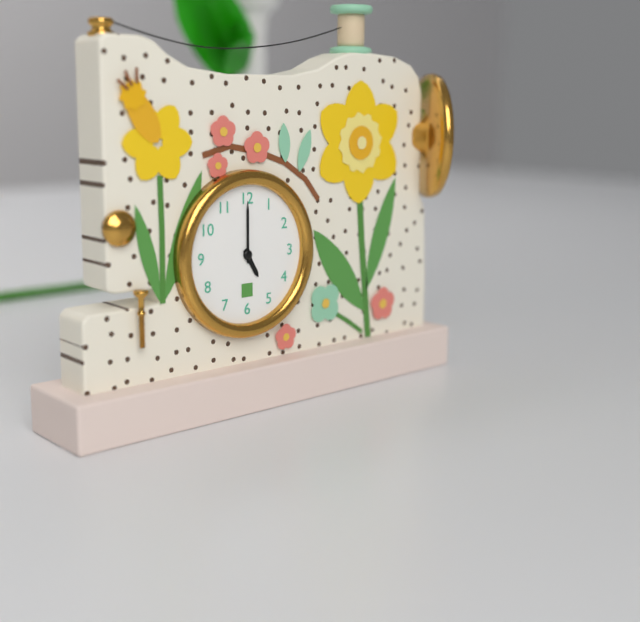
5 h 00 min
